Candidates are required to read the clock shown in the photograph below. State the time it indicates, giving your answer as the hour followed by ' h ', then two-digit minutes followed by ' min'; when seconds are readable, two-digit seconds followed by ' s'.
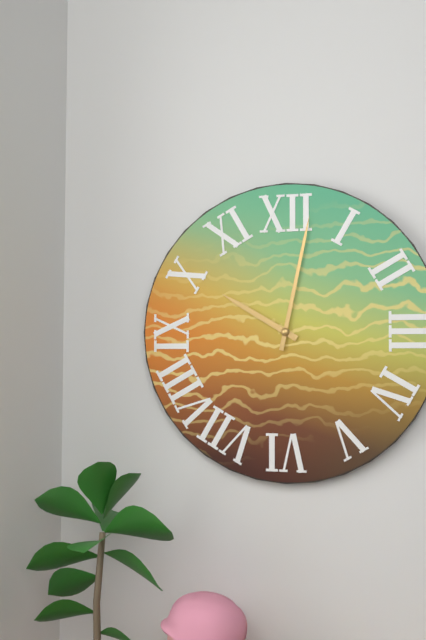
10 h 02 min
